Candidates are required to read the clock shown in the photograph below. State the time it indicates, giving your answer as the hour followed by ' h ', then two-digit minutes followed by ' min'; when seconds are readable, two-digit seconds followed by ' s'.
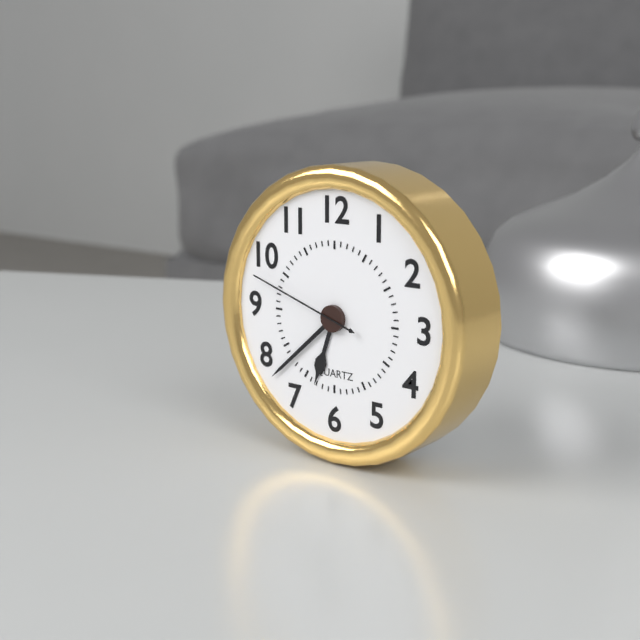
6 h 38 min 48 s
